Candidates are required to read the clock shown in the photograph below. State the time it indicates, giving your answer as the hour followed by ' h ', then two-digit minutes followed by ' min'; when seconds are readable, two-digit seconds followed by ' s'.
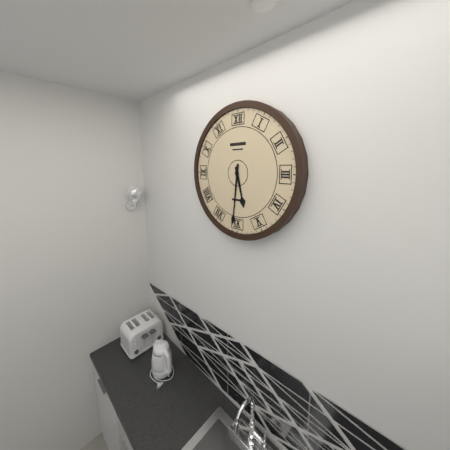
5 h 31 min
